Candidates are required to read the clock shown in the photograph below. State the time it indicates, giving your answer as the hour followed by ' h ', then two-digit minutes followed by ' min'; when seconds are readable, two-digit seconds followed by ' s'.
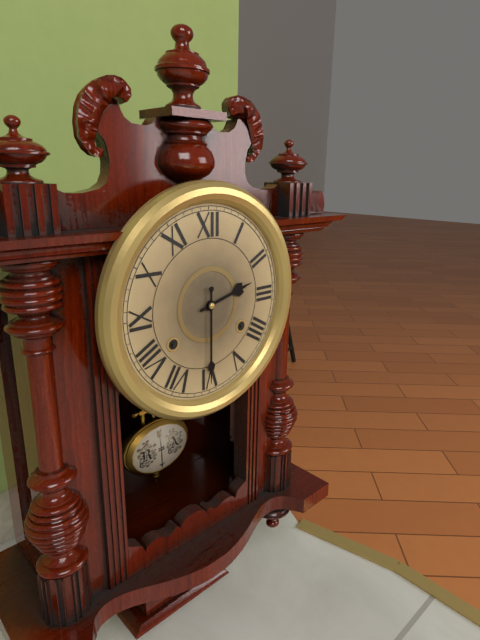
2 h 30 min
